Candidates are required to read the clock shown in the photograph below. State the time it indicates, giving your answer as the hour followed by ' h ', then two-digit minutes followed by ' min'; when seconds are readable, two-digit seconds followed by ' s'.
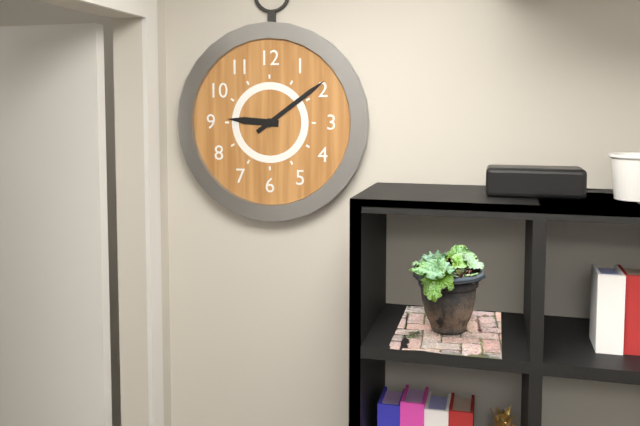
9 h 09 min
